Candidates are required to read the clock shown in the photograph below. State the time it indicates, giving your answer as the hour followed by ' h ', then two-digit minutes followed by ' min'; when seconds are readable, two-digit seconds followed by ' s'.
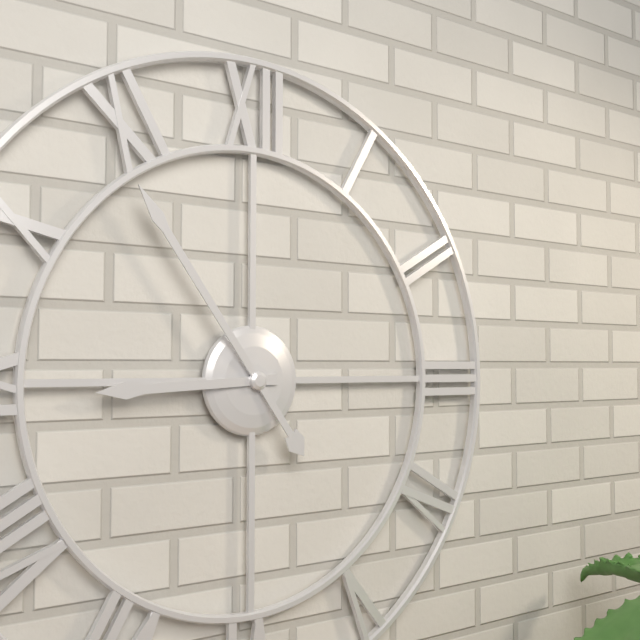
8 h 54 min
